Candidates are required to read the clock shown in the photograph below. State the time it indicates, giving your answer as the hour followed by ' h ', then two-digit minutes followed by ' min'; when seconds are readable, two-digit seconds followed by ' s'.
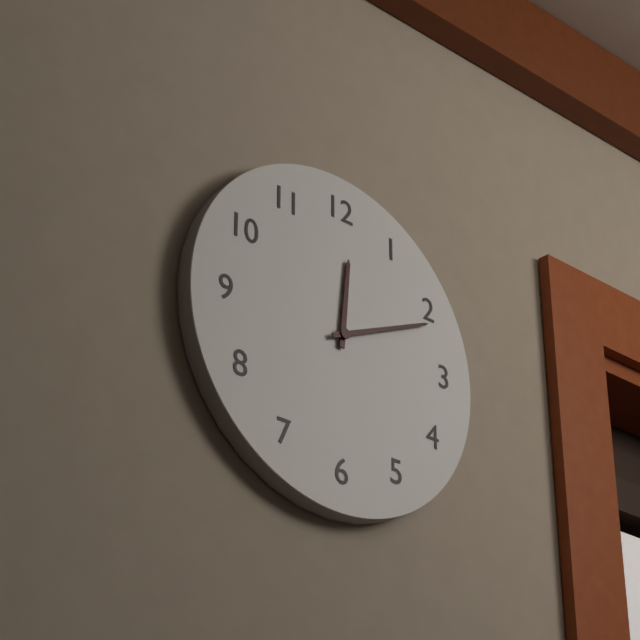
12 h 11 min
